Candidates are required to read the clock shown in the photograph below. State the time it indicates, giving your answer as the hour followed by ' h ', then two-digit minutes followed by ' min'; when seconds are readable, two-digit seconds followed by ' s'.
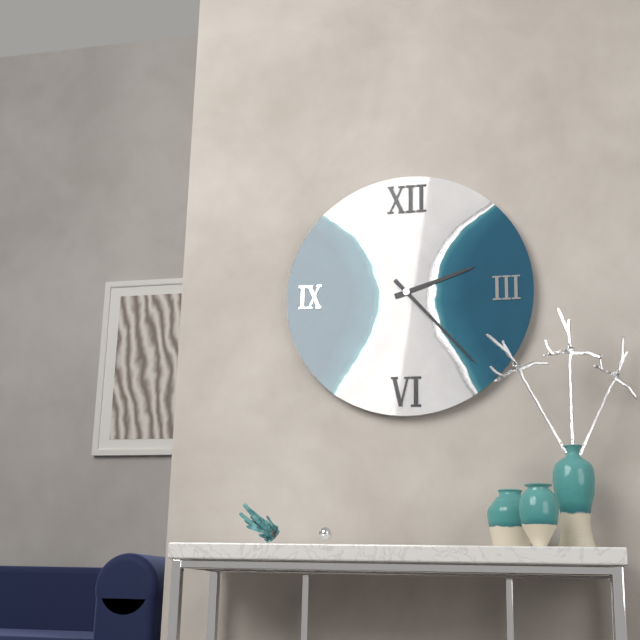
2 h 23 min
